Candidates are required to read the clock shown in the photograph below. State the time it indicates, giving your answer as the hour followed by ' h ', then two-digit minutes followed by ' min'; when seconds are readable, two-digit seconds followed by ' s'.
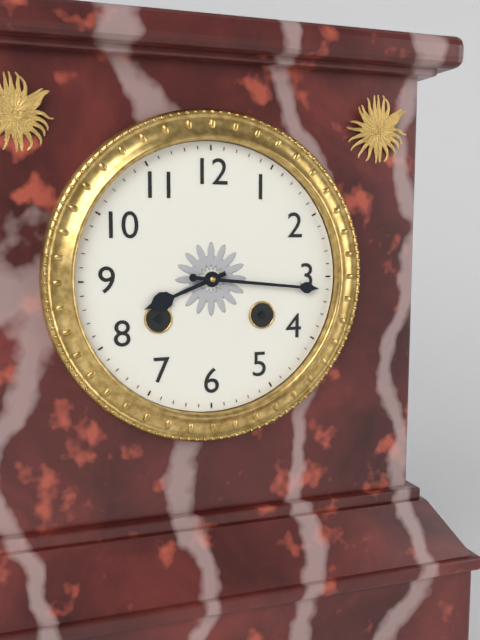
8 h 16 min
